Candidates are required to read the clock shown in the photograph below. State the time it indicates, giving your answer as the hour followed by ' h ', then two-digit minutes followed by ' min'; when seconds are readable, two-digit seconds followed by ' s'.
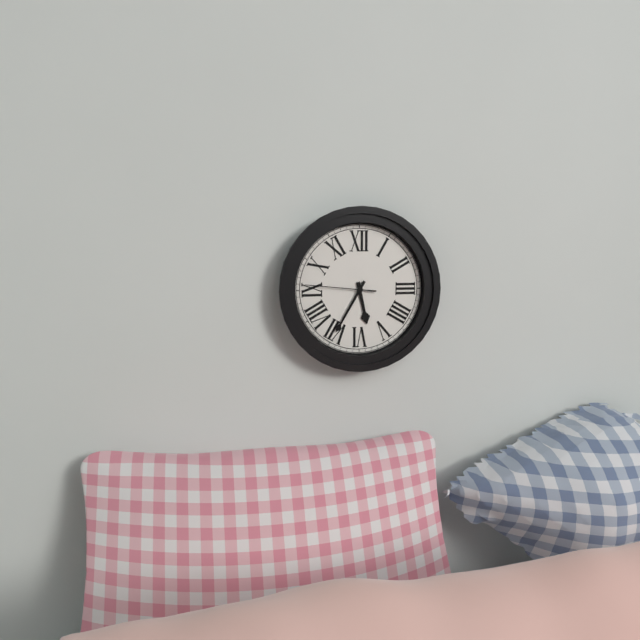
5 h 35 min 46 s
